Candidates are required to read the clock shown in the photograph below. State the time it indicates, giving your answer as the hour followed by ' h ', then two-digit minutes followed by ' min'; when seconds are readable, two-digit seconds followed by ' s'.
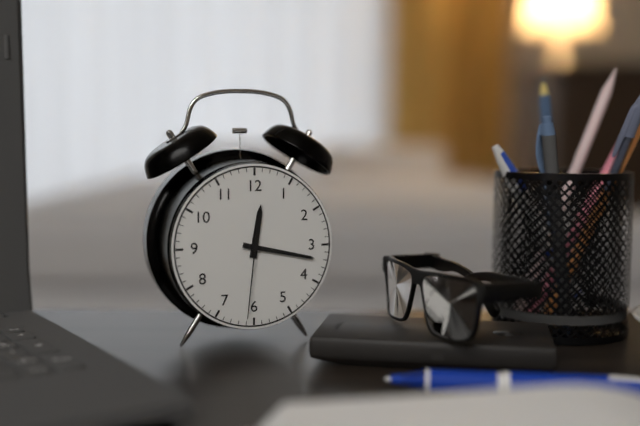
12 h 17 min 31 s
